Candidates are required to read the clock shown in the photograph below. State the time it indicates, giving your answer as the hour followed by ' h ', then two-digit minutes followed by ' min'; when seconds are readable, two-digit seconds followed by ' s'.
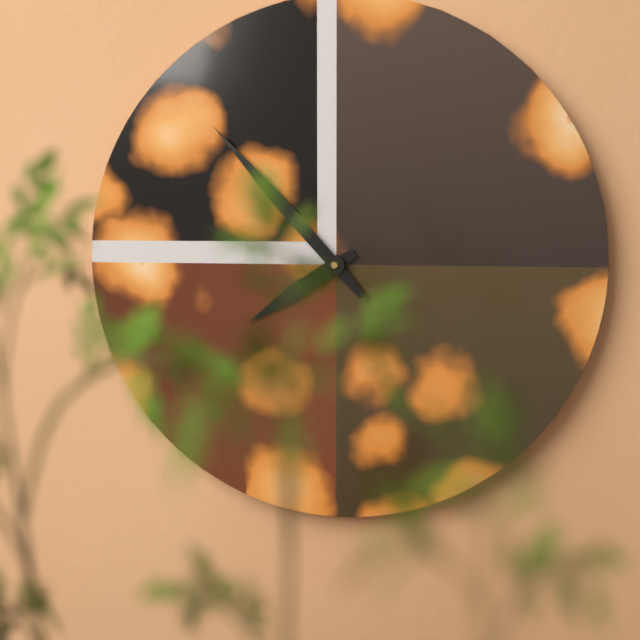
7 h 53 min
